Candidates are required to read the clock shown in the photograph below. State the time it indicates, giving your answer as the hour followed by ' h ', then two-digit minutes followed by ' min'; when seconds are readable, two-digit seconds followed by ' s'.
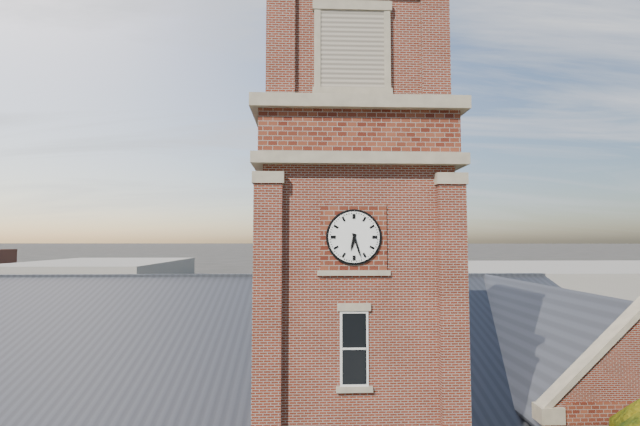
6 h 27 min
